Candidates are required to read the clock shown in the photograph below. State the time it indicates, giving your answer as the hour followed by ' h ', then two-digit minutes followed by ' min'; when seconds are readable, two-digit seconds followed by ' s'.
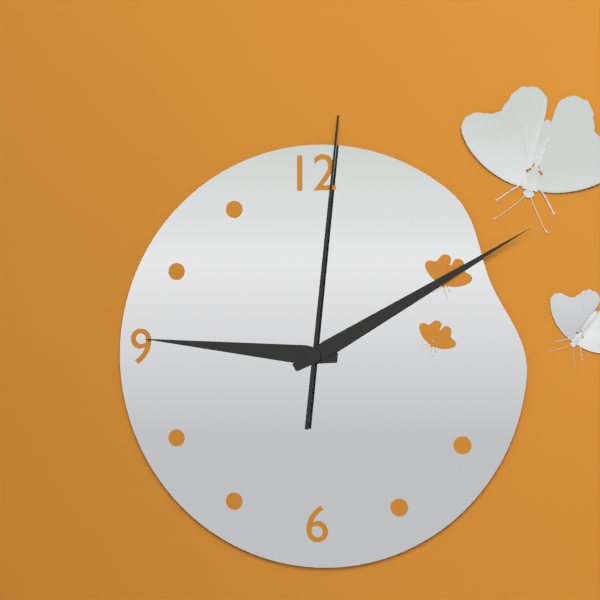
9 h 10 min 01 s
